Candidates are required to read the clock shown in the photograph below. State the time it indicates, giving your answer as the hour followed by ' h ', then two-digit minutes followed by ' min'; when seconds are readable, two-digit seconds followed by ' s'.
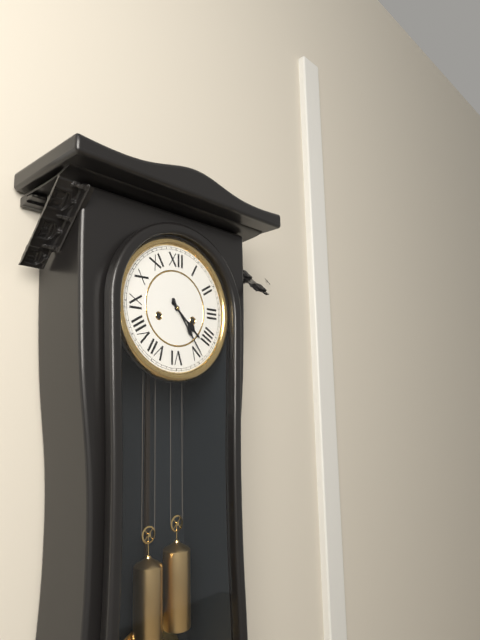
4 h 24 min
